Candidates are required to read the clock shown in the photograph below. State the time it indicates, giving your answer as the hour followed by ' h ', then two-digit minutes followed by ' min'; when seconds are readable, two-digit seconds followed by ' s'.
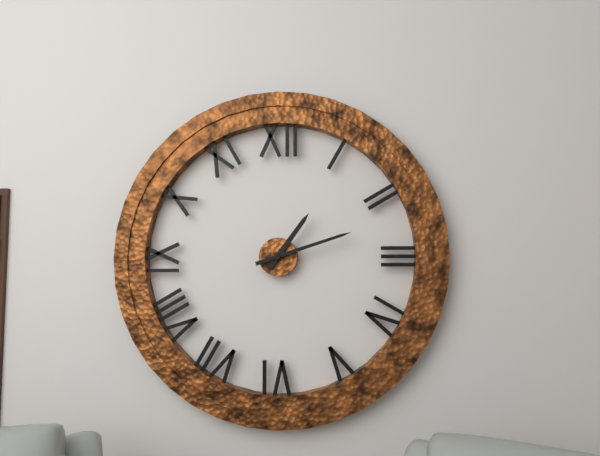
1 h 12 min
